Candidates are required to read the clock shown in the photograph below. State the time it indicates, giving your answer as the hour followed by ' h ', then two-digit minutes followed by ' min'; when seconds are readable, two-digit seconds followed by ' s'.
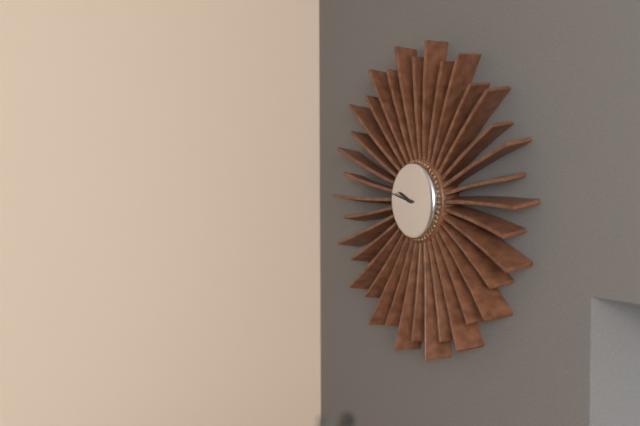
9 h 47 min
